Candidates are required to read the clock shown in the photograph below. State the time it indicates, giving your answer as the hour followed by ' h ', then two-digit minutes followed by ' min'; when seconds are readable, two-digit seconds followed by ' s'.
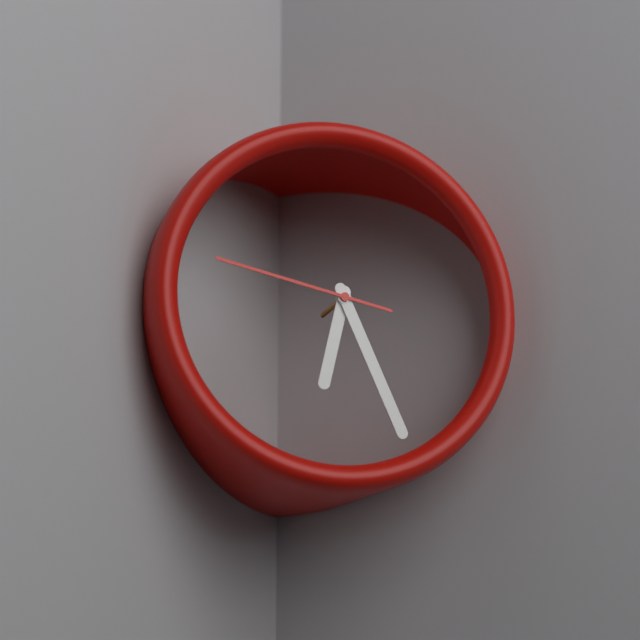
6 h 26 min 47 s
